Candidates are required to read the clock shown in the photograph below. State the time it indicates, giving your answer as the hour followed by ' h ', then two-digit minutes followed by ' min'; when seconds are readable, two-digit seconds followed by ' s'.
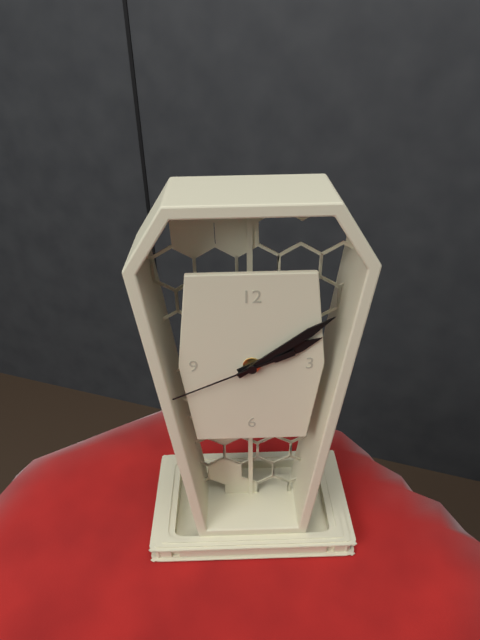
2 h 09 min 41 s
